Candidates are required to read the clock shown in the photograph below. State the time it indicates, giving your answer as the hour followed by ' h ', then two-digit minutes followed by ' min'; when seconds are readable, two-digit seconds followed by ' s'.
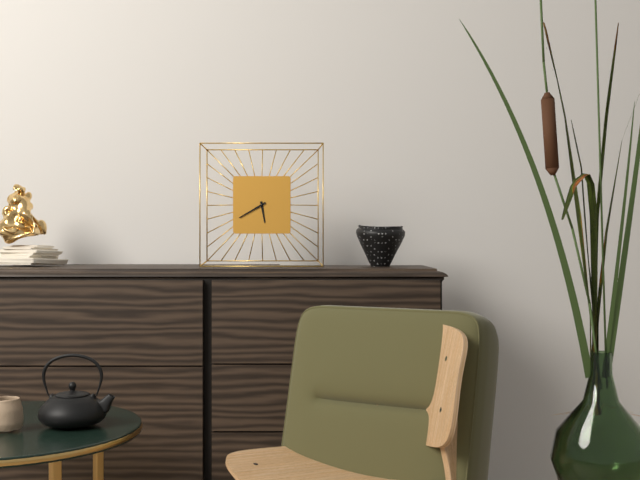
5 h 40 min
